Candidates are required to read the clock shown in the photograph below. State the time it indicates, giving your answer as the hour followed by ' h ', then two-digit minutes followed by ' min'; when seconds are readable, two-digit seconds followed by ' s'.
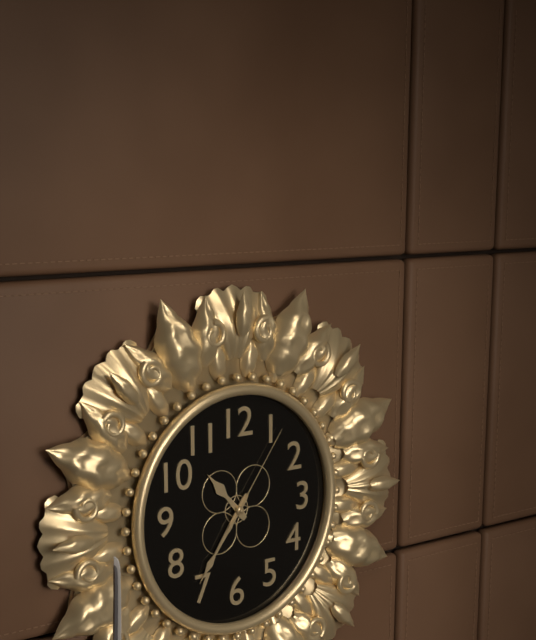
10 h 36 min 06 s
